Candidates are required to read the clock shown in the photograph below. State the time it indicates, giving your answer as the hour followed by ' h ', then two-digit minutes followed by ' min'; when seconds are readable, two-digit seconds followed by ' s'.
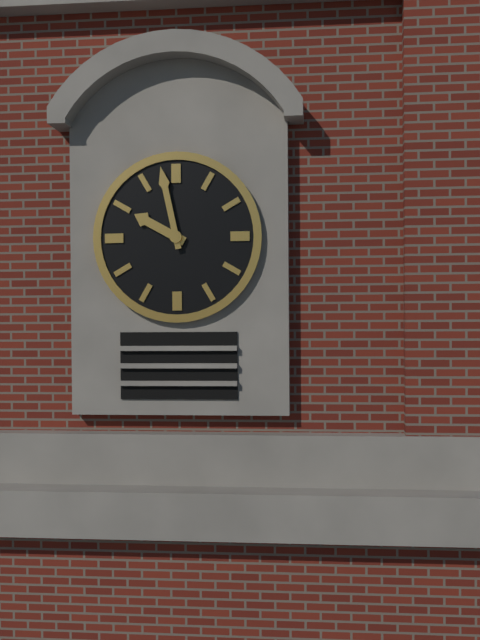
9 h 58 min
